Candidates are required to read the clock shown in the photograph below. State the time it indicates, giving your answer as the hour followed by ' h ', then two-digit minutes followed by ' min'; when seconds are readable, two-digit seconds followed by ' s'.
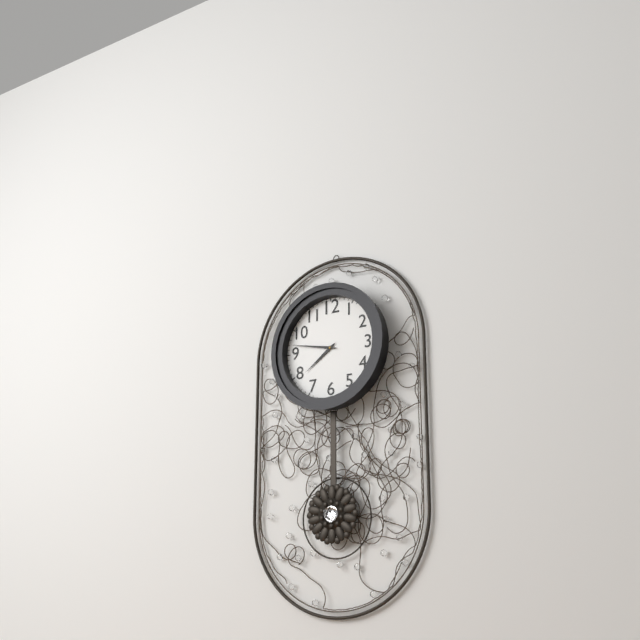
7 h 47 min
